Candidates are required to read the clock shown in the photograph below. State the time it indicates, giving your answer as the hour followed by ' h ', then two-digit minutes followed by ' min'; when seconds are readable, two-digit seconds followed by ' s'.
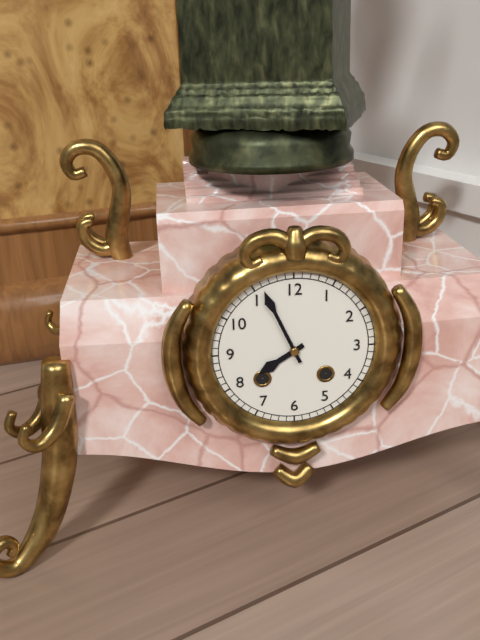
7 h 56 min
